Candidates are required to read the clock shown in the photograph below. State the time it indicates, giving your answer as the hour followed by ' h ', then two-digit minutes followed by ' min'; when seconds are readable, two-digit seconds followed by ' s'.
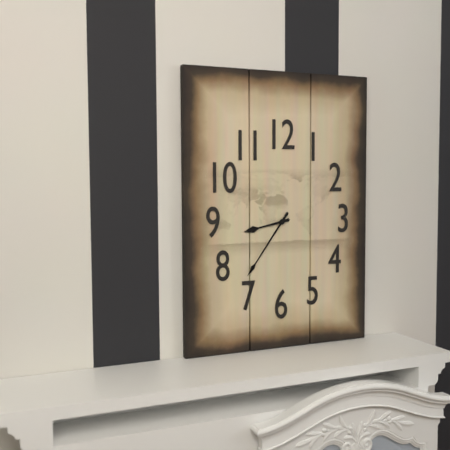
8 h 36 min
